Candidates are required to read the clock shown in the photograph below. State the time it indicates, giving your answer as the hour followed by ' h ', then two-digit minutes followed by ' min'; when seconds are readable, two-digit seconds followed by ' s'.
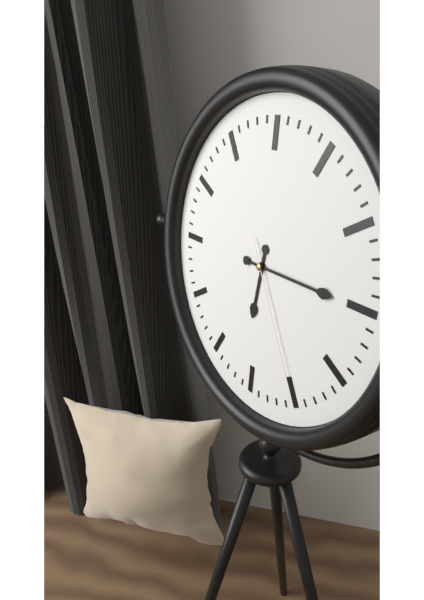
6 h 15 min 25 s
